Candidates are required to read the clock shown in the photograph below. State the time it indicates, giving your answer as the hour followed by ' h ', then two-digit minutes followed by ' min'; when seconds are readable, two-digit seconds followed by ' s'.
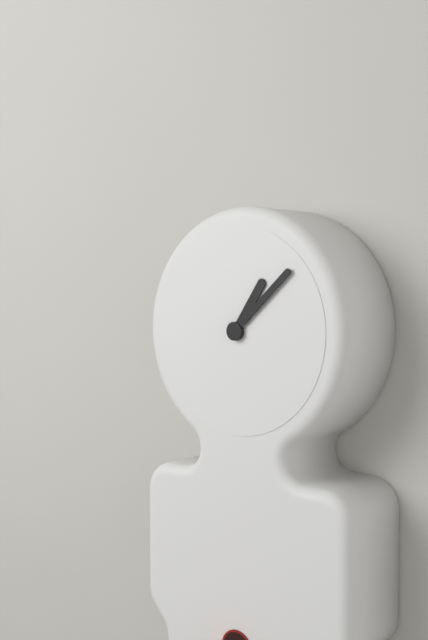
1 h 08 min
